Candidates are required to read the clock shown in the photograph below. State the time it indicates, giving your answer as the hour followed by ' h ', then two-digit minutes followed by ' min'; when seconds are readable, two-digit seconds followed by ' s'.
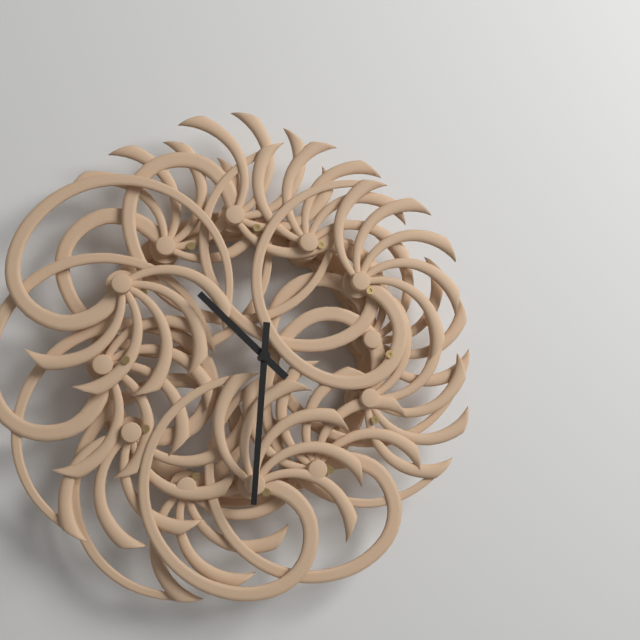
10 h 31 min
